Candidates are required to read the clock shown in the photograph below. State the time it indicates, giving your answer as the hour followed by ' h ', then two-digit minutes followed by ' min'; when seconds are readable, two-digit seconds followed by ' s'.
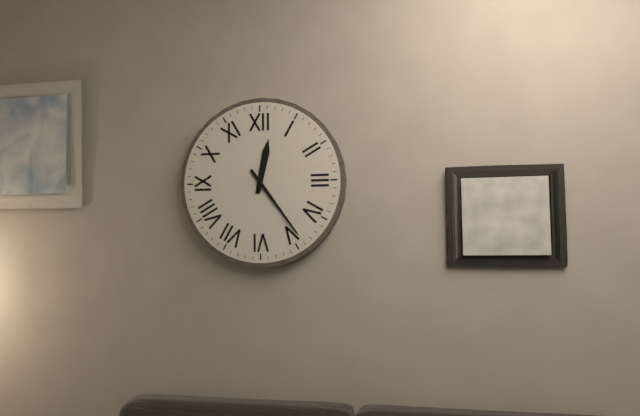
12 h 24 min
